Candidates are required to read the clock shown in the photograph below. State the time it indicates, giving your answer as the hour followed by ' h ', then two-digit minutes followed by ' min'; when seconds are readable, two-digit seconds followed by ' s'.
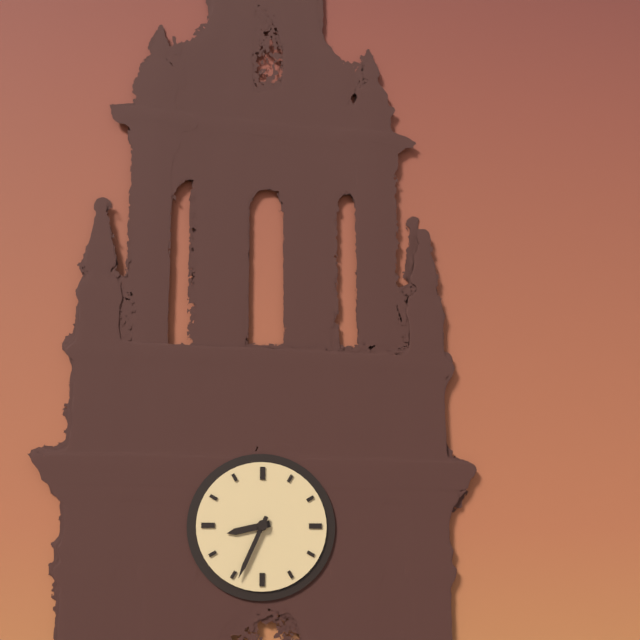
8 h 34 min
